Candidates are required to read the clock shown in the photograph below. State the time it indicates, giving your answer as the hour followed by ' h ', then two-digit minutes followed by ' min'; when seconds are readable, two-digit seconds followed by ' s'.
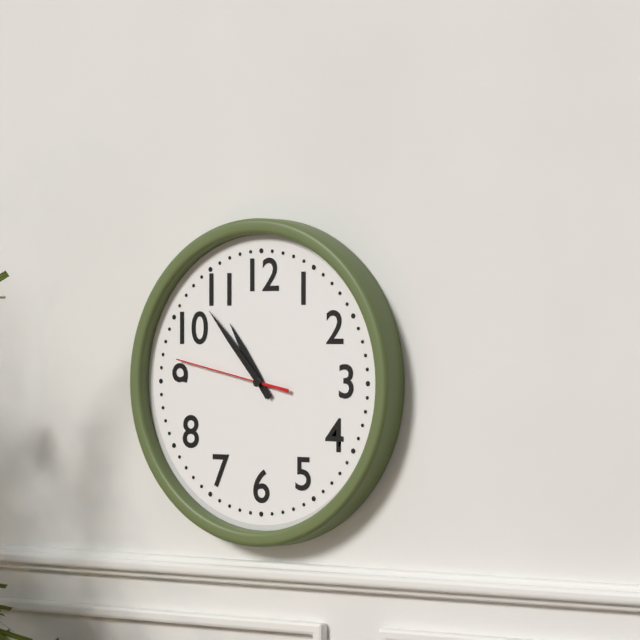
10 h 53 min 47 s
